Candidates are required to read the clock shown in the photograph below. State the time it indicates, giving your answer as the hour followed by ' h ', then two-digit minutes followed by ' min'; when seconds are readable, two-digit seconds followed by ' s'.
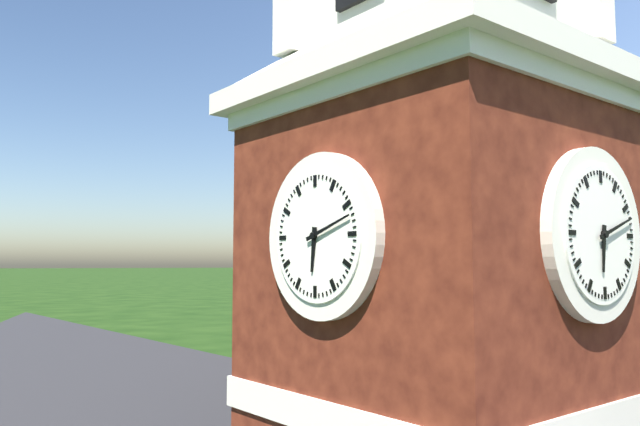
6 h 12 min
